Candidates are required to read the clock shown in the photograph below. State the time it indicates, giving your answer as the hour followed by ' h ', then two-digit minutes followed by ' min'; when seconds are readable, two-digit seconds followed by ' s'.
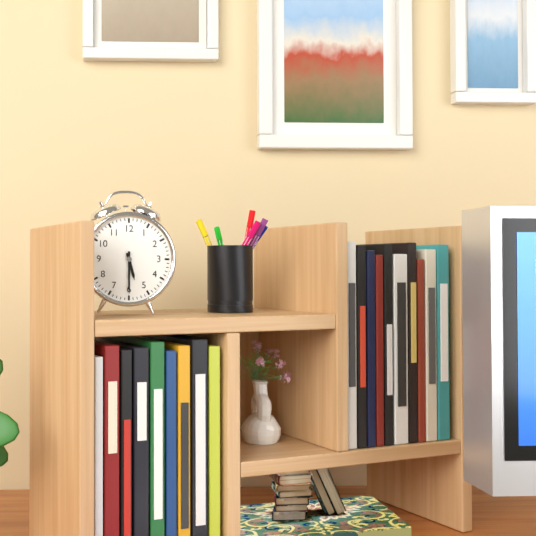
5 h 30 min
